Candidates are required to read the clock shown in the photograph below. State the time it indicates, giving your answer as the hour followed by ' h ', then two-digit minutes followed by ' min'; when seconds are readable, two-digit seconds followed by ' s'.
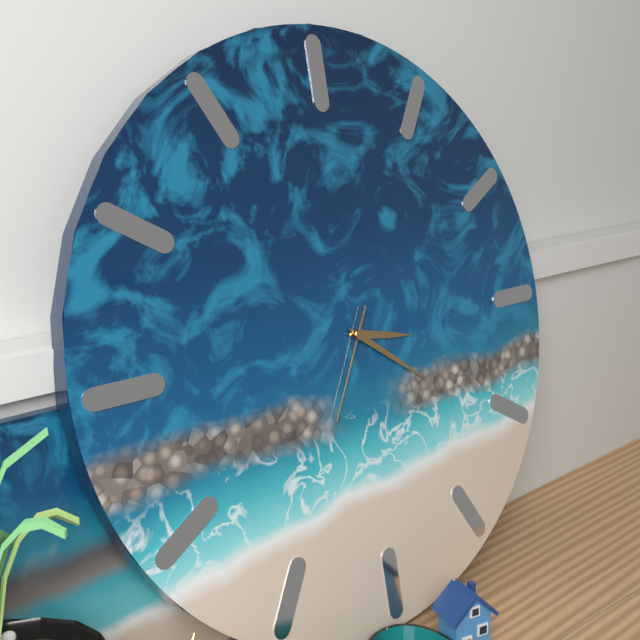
3 h 21 min 35 s
